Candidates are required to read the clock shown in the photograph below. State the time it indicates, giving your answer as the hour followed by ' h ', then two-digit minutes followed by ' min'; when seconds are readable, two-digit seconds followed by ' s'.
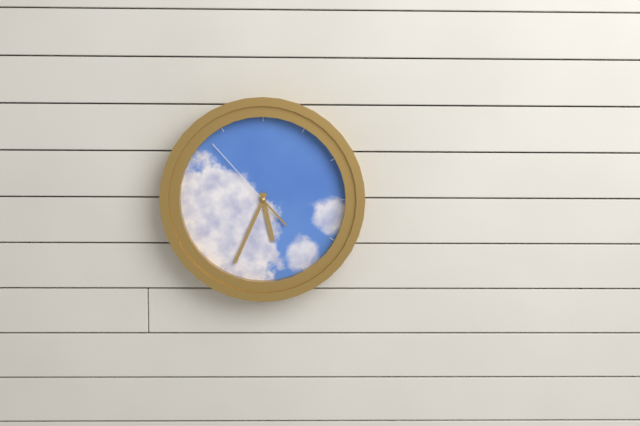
5 h 34 min 53 s
